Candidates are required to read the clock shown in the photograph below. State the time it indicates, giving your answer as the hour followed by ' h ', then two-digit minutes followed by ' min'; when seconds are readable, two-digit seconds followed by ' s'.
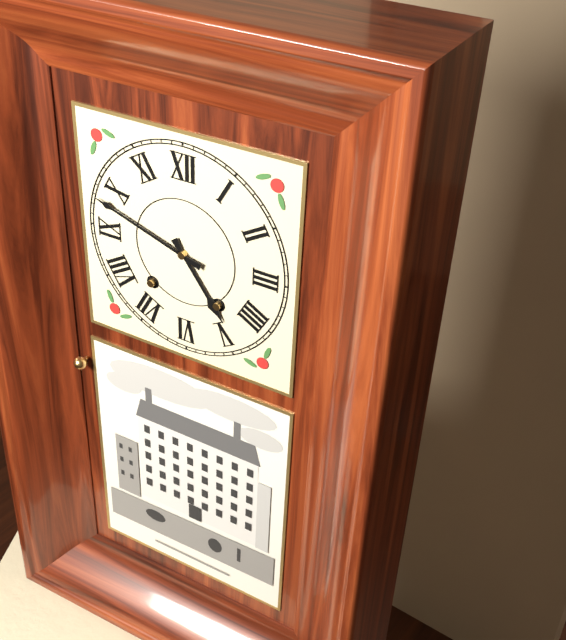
4 h 48 min
